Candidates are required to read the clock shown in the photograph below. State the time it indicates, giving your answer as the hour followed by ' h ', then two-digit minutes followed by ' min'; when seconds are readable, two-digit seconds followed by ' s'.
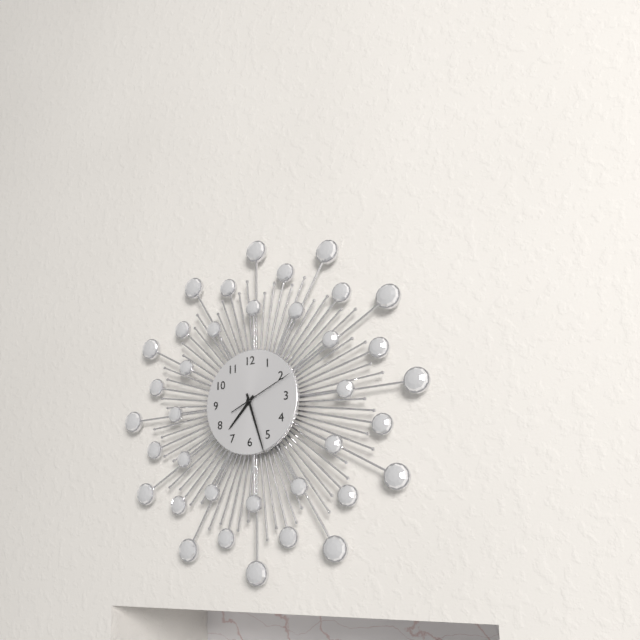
7 h 27 min 11 s
